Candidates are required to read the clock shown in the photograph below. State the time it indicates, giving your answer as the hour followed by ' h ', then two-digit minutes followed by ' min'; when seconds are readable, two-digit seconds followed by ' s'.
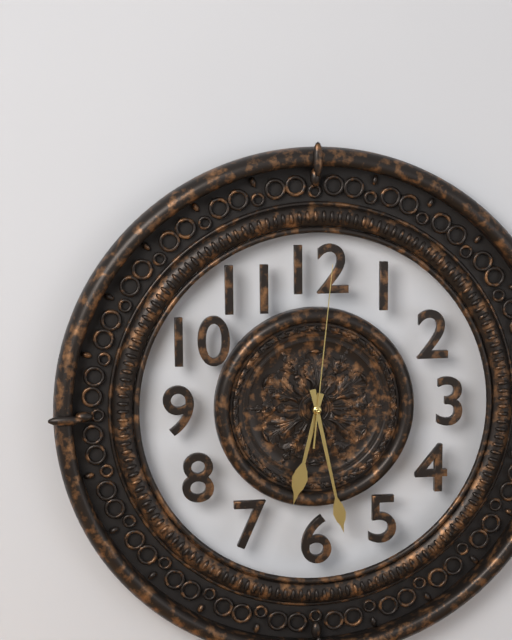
6 h 28 min 01 s
